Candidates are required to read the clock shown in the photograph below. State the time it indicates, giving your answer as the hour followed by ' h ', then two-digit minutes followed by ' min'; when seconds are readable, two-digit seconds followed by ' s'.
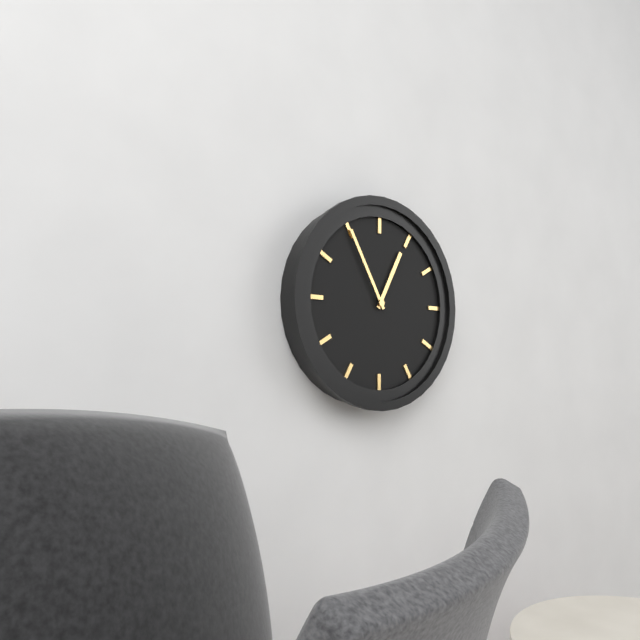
12 h 55 min
